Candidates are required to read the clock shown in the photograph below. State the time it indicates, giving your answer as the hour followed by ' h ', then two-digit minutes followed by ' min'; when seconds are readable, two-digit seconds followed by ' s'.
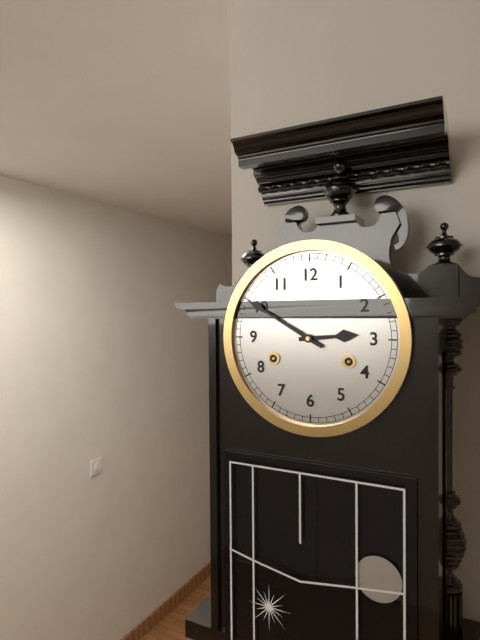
2 h 50 min
